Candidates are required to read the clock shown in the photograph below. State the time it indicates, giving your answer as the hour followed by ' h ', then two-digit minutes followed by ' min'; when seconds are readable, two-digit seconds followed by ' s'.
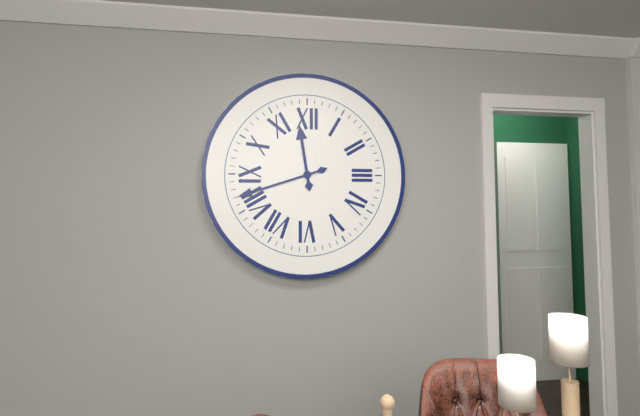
11 h 42 min
